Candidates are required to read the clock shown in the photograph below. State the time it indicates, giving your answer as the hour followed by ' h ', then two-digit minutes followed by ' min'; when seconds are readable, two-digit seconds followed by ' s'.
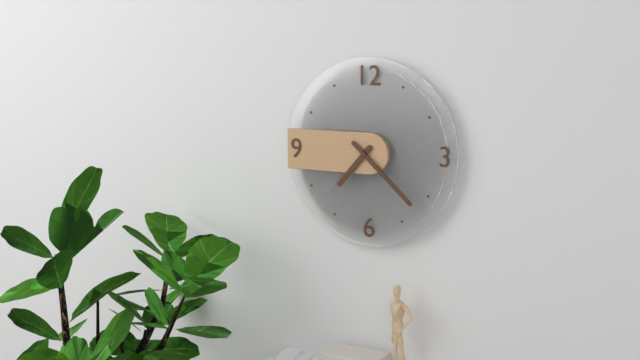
7 h 22 min
